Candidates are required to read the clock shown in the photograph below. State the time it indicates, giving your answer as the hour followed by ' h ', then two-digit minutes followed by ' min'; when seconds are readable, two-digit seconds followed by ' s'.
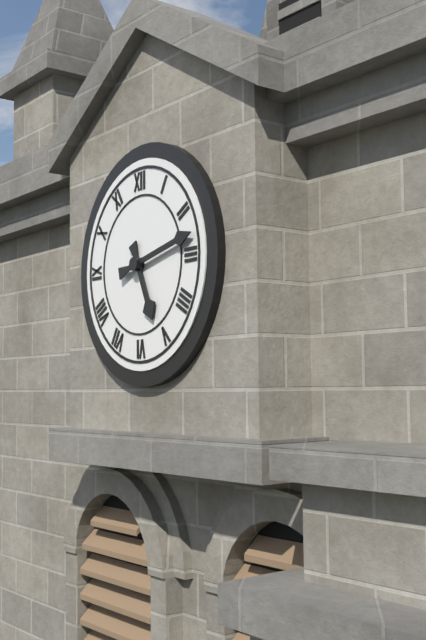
5 h 13 min
